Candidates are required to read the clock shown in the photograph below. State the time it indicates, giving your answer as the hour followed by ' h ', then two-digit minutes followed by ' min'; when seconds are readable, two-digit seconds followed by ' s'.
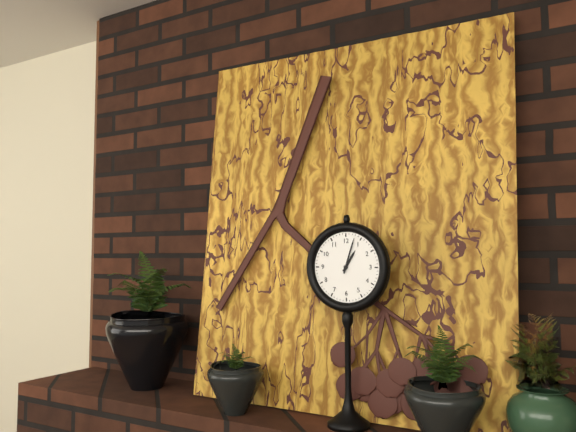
1 h 03 min
